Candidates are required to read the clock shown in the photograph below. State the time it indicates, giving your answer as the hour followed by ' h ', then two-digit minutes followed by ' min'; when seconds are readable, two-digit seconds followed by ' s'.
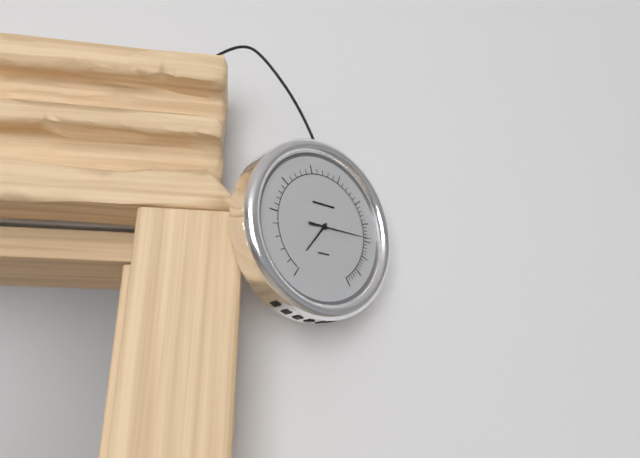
7 h 15 min
